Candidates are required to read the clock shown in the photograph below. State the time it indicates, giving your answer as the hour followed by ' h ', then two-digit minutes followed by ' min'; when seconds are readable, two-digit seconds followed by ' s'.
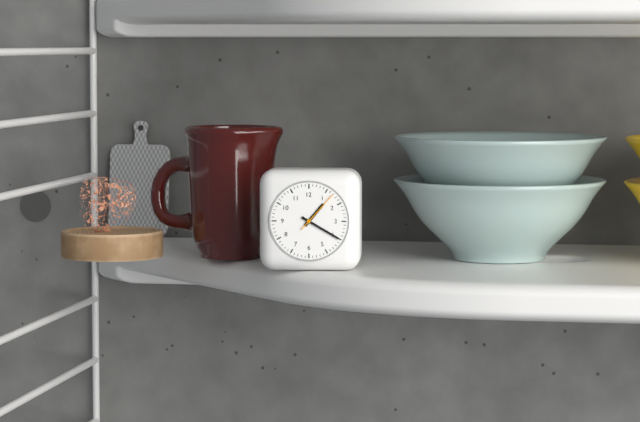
1 h 20 min
